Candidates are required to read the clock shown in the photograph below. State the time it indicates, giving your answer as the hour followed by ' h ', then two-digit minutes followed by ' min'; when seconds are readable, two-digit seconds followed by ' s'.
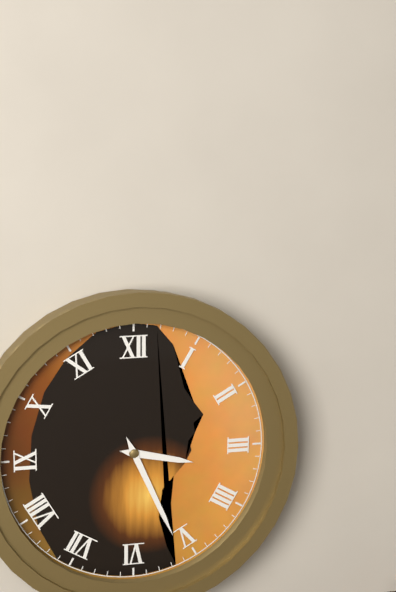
3 h 26 min
